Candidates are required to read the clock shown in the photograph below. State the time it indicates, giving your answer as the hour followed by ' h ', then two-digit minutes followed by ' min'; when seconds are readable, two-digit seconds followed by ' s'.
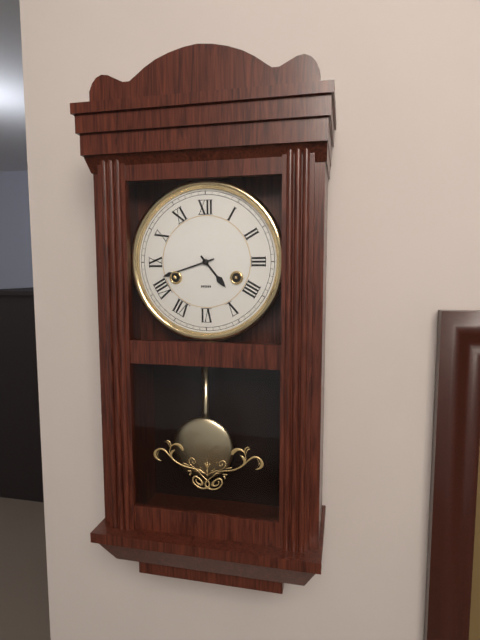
4 h 42 min
